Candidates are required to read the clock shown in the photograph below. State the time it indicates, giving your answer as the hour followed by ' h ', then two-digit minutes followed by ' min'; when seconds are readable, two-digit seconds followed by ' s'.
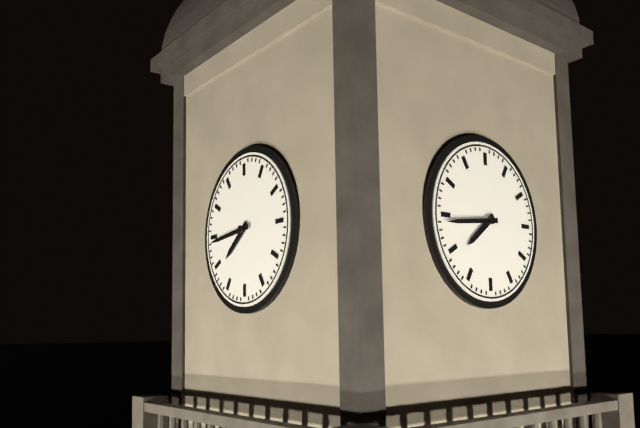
7 h 44 min
